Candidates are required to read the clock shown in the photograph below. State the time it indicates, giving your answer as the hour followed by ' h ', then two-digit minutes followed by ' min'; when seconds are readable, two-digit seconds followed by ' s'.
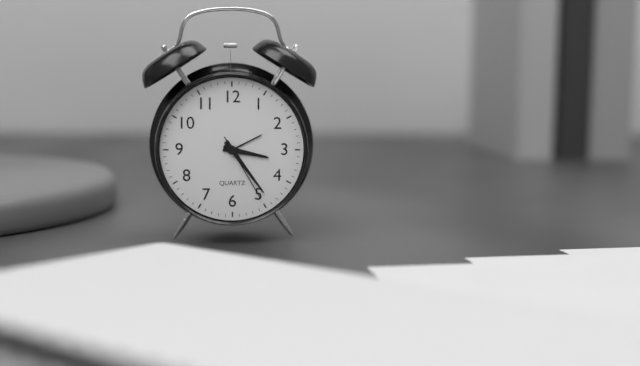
3 h 24 min 25 s
